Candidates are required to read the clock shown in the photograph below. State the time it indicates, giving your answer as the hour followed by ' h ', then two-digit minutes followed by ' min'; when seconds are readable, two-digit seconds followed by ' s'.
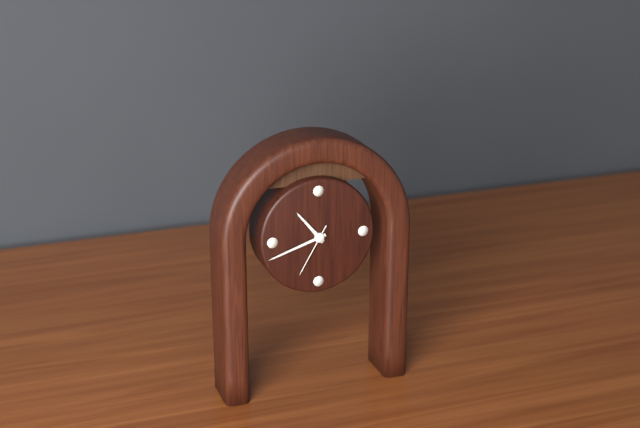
10 h 42 min 35 s
